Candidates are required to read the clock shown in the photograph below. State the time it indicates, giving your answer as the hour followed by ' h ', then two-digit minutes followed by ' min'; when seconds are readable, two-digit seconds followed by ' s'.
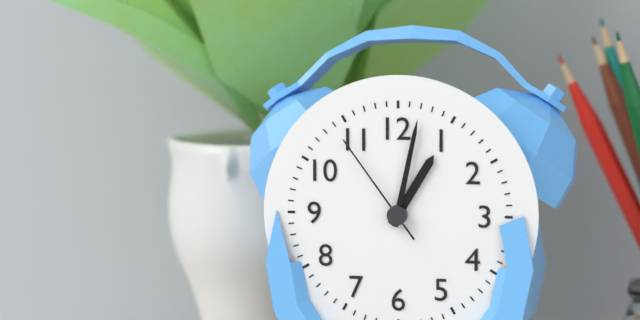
1 h 02 min 54 s
